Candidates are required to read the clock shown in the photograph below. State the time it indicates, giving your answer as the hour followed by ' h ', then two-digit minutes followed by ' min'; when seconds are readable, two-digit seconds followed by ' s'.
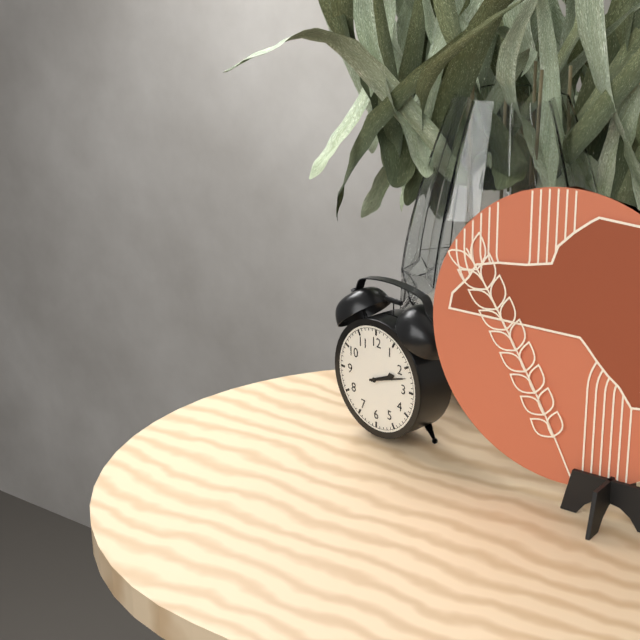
2 h 12 min
